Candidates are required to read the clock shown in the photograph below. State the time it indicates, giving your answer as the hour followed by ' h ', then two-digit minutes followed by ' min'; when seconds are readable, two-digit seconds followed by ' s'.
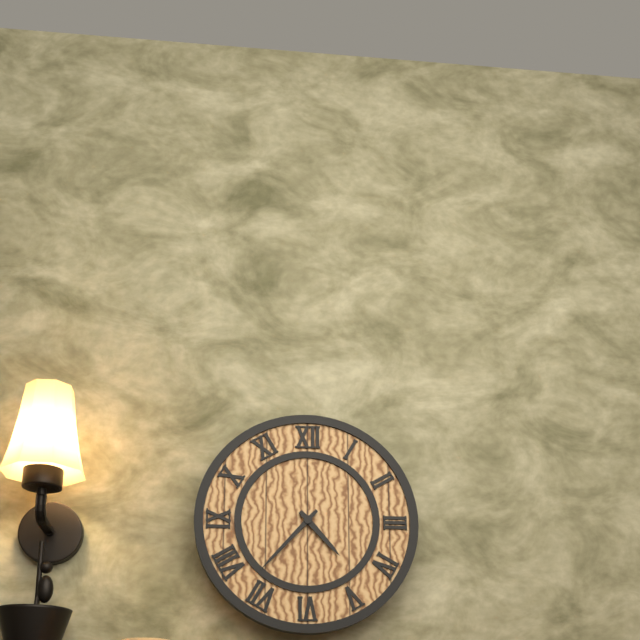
4 h 37 min
